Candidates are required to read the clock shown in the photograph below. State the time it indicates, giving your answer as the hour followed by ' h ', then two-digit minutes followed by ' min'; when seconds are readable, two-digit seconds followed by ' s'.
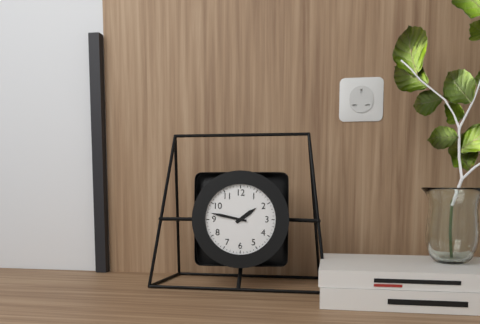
1 h 47 min
